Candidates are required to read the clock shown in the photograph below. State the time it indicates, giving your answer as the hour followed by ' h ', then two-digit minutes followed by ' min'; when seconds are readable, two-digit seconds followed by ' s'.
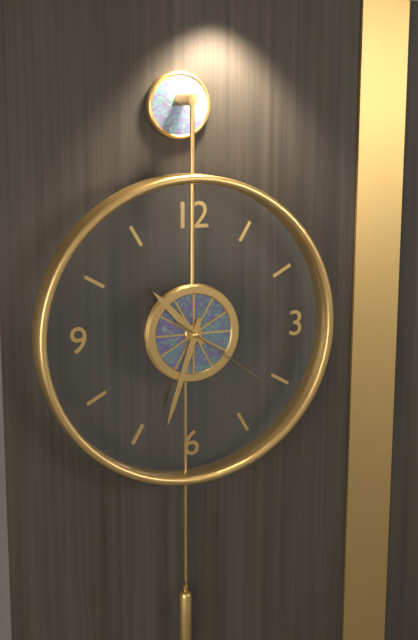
10 h 33 min 21 s
